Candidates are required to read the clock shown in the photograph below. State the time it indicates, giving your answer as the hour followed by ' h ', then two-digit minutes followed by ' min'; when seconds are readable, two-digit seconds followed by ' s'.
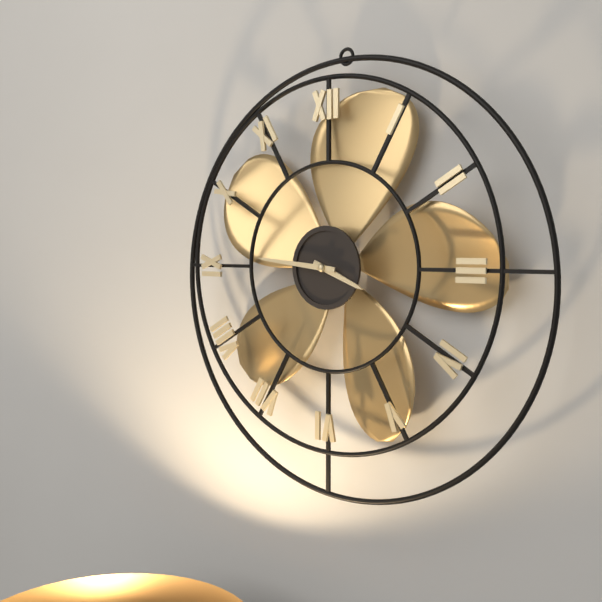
3 h 46 min
